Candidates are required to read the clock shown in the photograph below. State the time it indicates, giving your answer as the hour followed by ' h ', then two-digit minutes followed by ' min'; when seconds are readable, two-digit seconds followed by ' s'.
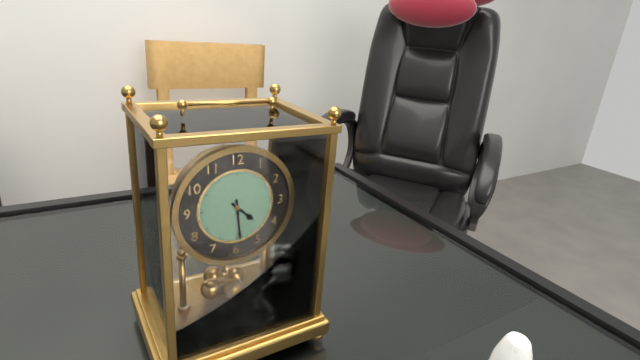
4 h 29 min
